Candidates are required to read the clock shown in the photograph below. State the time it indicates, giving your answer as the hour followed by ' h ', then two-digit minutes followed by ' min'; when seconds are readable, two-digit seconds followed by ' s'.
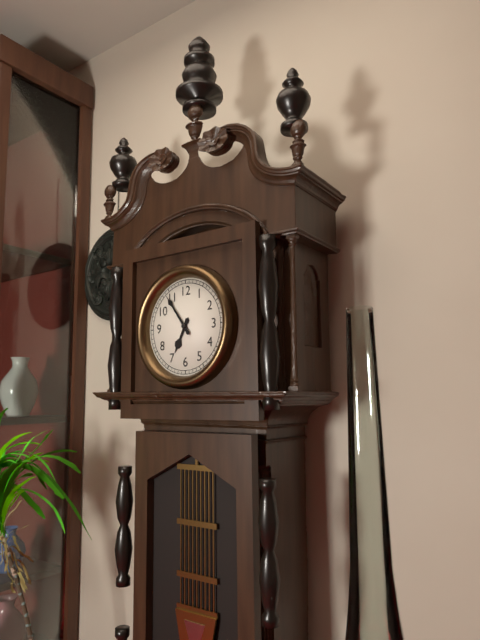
6 h 54 min
